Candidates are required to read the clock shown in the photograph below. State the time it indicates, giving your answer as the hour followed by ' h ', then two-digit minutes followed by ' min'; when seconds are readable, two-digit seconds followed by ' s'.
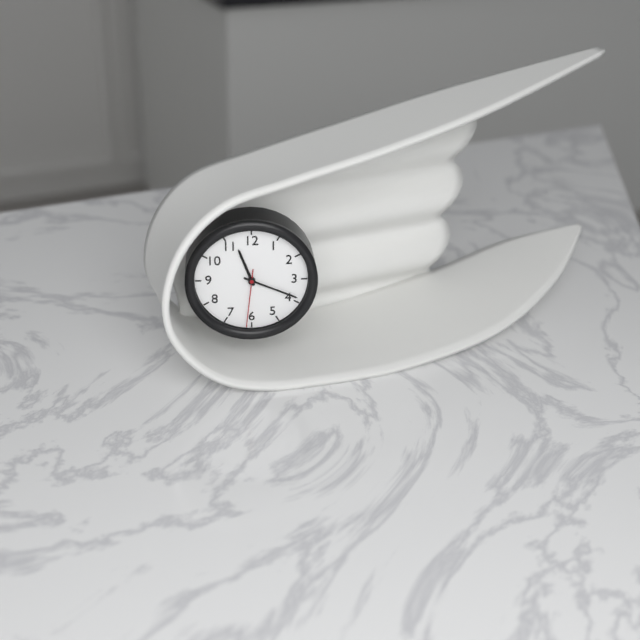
11 h 19 min 31 s
